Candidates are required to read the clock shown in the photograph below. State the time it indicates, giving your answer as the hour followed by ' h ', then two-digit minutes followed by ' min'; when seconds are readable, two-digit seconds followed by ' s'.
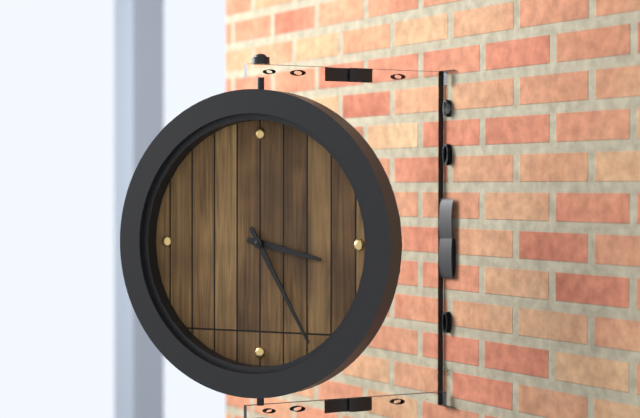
3 h 25 min
